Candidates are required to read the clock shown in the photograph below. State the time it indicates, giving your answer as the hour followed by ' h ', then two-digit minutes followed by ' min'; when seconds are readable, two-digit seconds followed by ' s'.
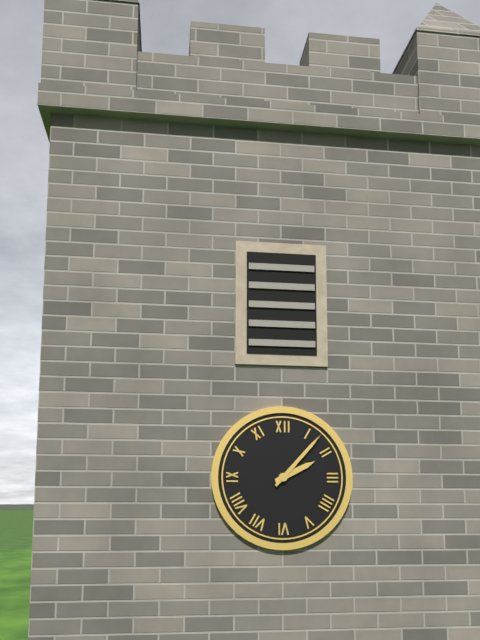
2 h 07 min
